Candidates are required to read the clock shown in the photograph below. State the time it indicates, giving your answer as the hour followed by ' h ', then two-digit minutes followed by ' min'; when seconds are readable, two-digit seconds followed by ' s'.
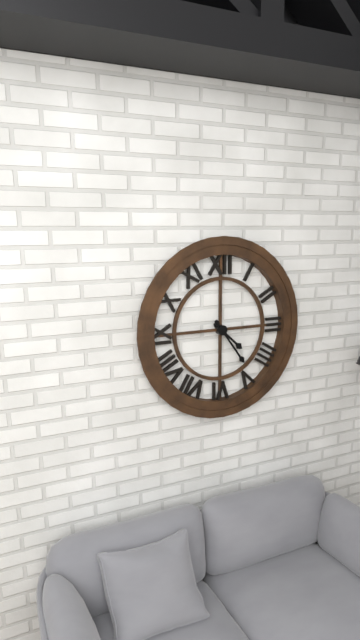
4 h 24 min
